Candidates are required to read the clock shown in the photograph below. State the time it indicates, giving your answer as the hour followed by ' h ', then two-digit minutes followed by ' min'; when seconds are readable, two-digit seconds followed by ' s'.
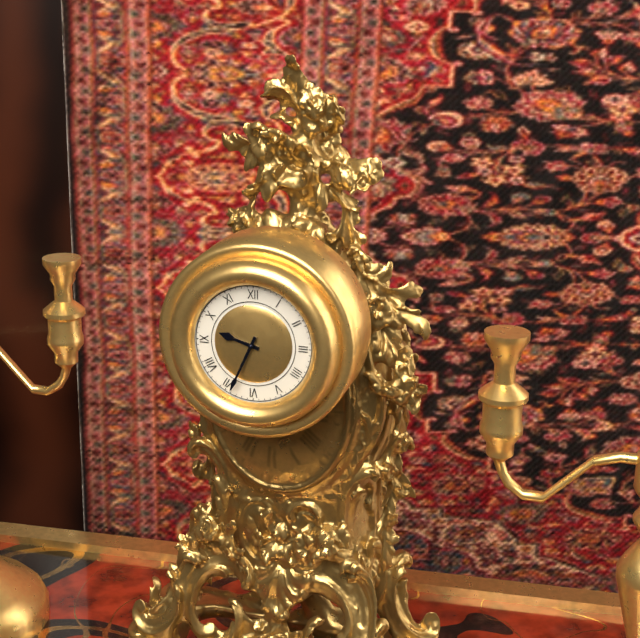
9 h 34 min
